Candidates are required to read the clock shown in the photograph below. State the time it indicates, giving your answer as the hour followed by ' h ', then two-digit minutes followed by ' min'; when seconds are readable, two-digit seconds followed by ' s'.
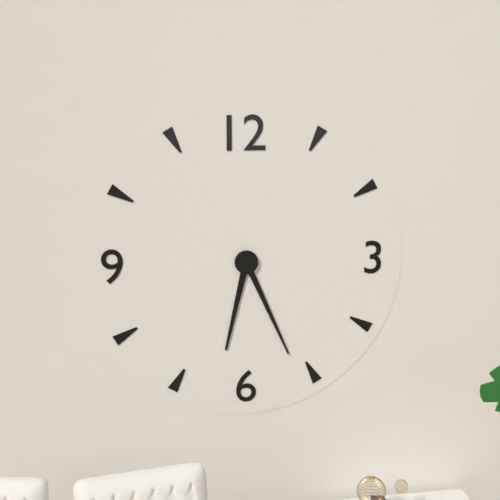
6 h 26 min
